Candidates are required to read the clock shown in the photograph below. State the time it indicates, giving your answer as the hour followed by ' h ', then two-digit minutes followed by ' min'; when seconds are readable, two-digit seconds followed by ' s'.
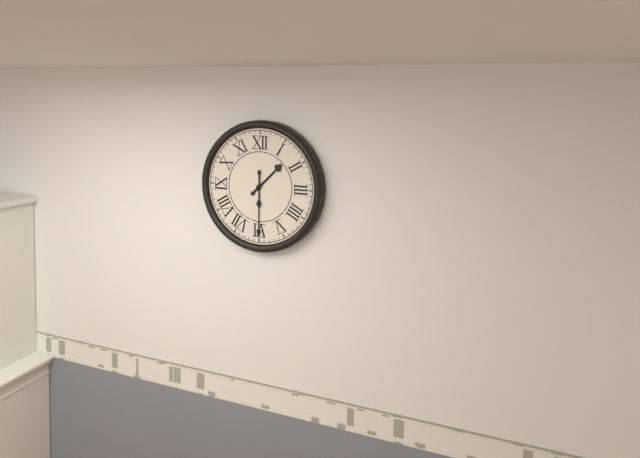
1 h 30 min
